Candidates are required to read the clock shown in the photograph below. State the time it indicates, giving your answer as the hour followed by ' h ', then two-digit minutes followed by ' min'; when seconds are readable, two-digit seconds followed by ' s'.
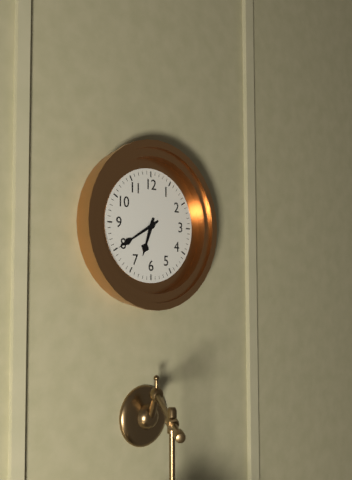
6 h 40 min
